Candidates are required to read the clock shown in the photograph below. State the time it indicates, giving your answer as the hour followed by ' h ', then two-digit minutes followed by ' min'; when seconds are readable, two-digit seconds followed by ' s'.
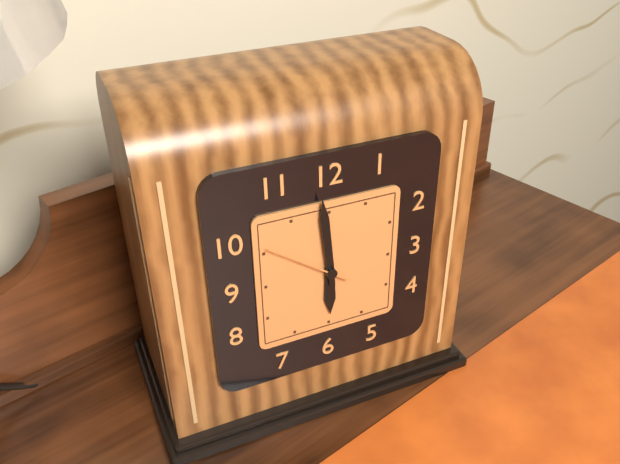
5 h 59 min 51 s
